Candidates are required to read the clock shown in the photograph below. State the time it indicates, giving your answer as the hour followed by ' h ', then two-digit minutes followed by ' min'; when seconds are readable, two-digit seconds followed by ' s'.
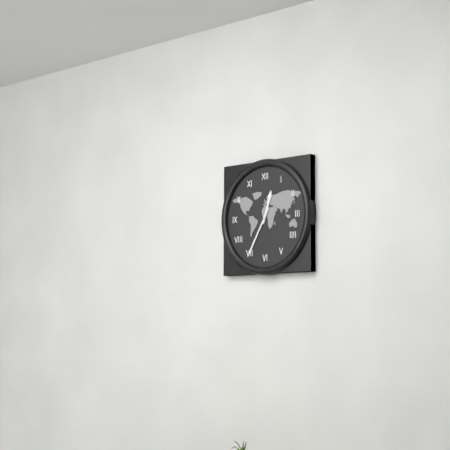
12 h 35 min
